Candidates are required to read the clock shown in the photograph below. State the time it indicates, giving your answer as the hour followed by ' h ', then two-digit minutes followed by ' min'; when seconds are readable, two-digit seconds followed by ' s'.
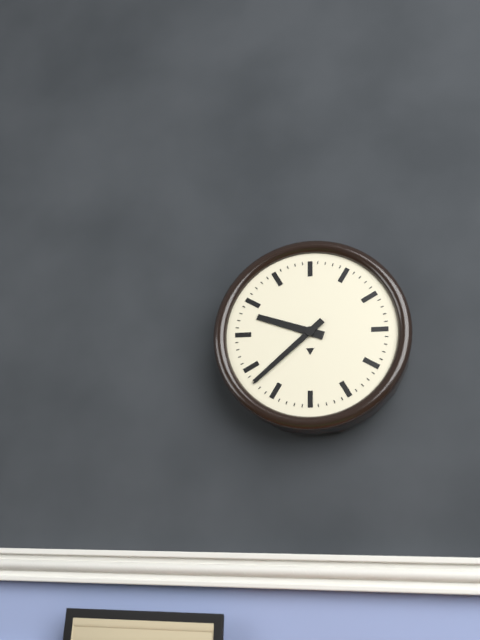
9 h 38 min
